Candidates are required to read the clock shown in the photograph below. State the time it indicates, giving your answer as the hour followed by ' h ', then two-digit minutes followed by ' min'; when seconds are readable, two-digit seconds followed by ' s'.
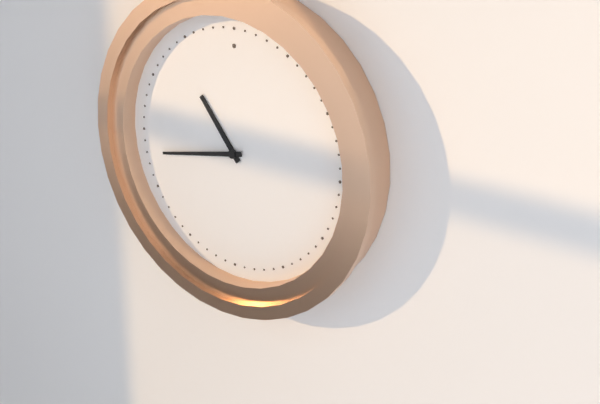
10 h 43 min
